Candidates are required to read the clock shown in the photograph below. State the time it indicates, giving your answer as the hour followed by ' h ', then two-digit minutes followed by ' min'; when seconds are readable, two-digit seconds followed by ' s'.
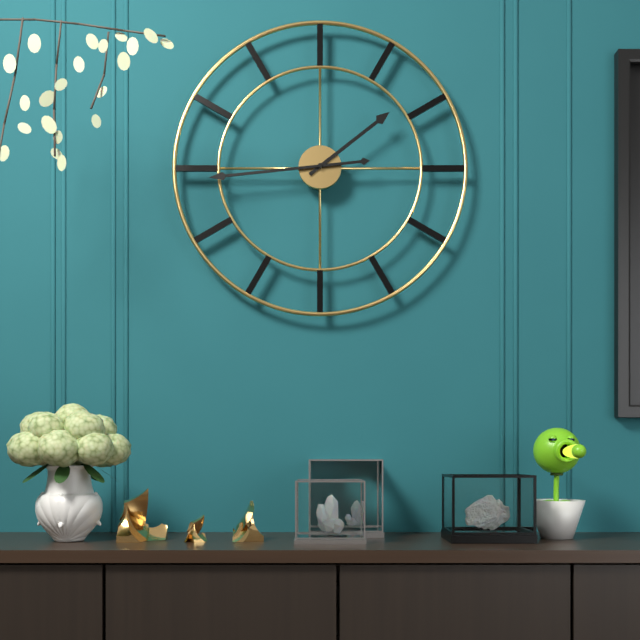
1 h 44 min
